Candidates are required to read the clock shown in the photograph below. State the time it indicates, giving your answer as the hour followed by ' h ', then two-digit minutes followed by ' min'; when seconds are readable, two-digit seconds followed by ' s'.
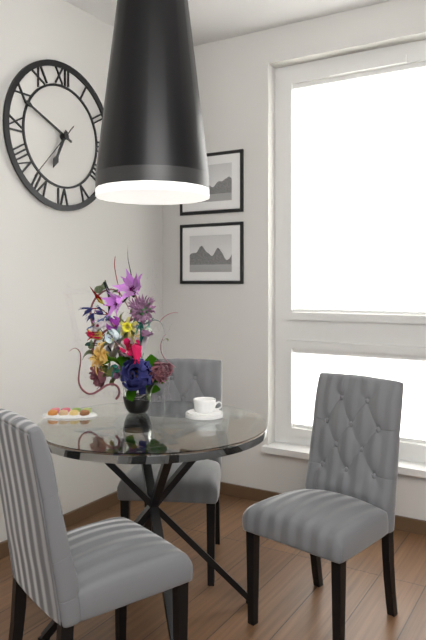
6 h 49 min 37 s
